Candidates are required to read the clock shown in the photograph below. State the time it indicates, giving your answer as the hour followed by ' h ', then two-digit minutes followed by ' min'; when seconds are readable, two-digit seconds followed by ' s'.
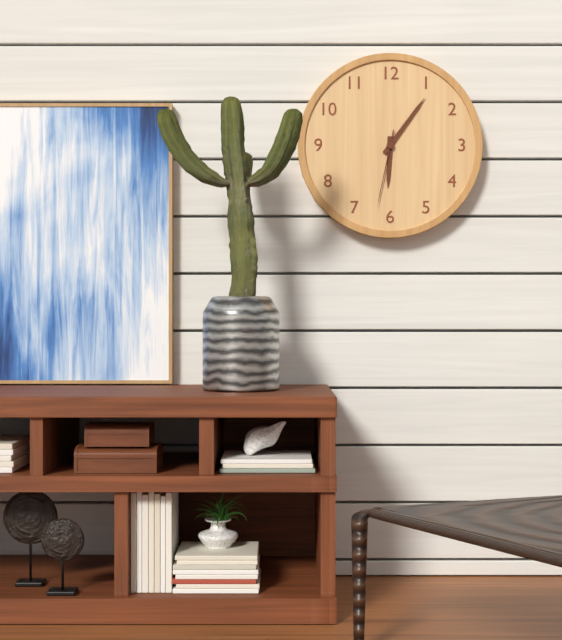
6 h 06 min 32 s
